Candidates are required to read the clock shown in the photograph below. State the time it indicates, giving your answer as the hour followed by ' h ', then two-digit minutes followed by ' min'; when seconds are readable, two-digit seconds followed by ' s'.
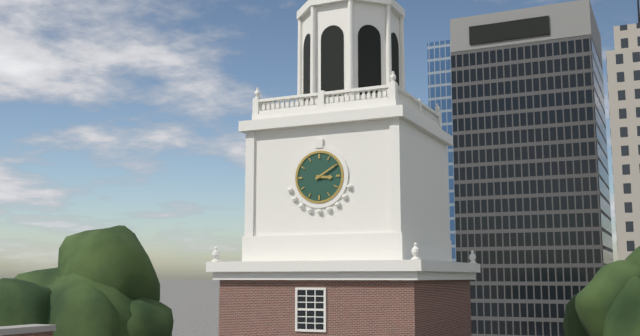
3 h 10 min
